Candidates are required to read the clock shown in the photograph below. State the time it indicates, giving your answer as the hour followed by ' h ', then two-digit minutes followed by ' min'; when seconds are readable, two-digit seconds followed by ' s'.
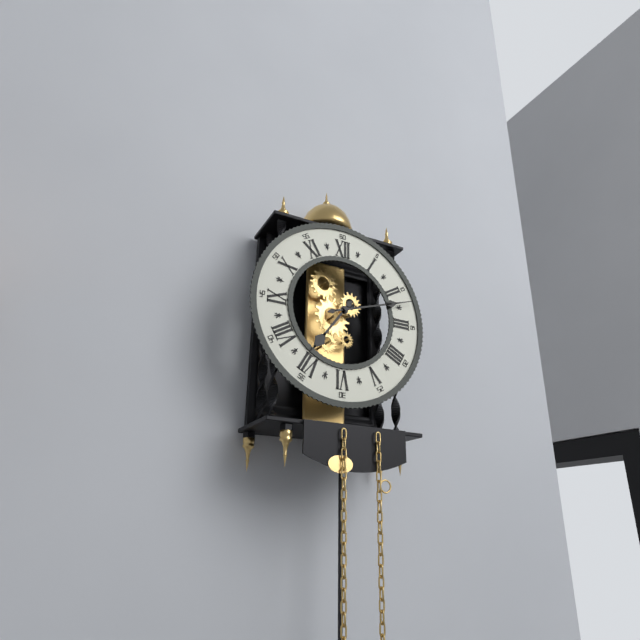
7 h 12 min
